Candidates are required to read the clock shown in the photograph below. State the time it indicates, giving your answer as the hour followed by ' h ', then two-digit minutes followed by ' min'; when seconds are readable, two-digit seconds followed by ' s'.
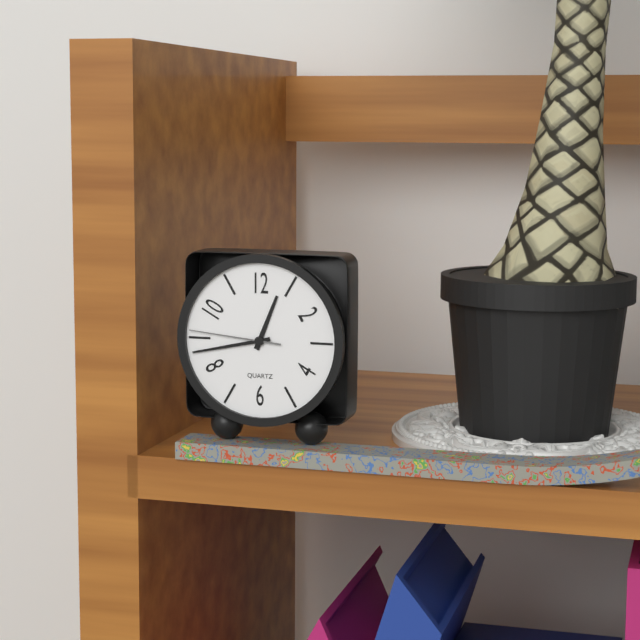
12 h 43 min 46 s
